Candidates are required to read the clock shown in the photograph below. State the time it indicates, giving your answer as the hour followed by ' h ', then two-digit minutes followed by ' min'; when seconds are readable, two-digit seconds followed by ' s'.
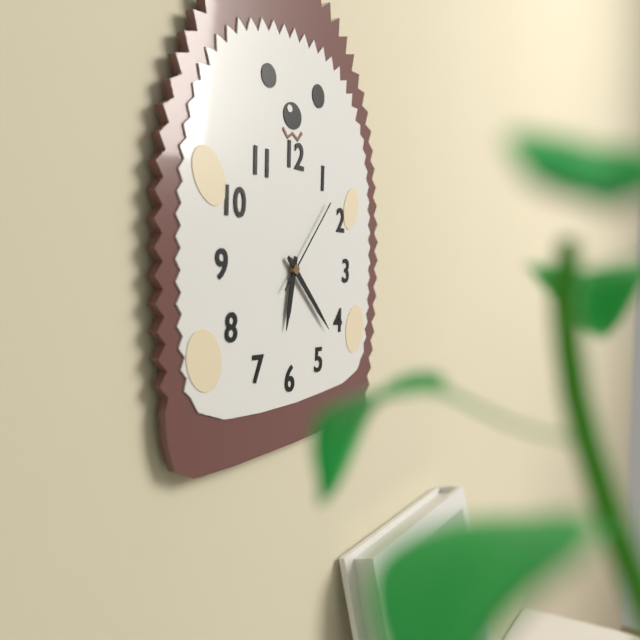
6 h 22 min 07 s
